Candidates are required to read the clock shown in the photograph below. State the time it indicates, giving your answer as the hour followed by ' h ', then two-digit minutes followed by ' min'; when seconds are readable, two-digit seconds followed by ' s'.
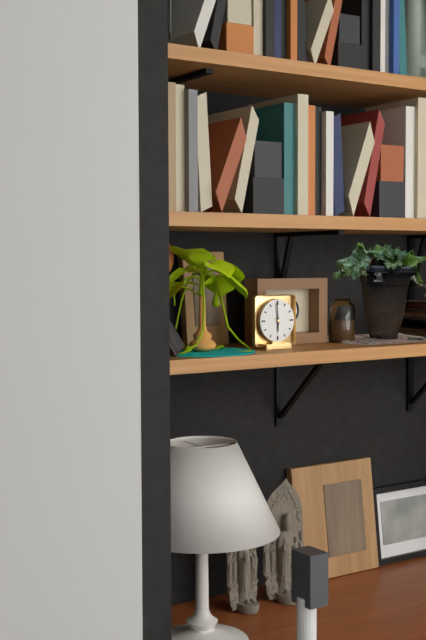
5 h 59 min
